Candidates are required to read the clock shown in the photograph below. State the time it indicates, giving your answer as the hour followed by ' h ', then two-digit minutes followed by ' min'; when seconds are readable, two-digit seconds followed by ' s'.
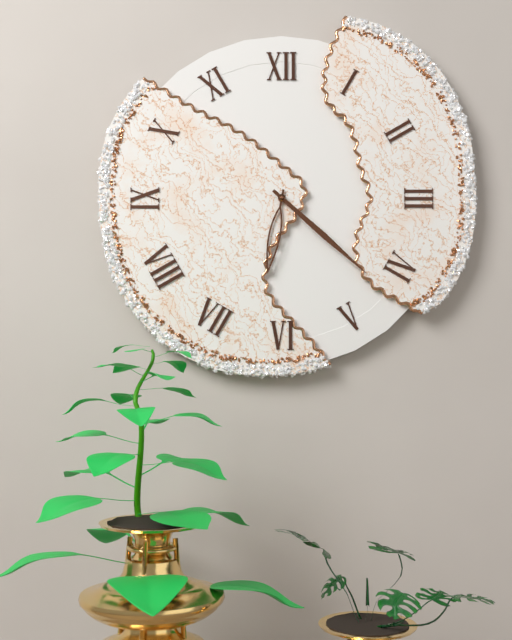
6 h 22 min
